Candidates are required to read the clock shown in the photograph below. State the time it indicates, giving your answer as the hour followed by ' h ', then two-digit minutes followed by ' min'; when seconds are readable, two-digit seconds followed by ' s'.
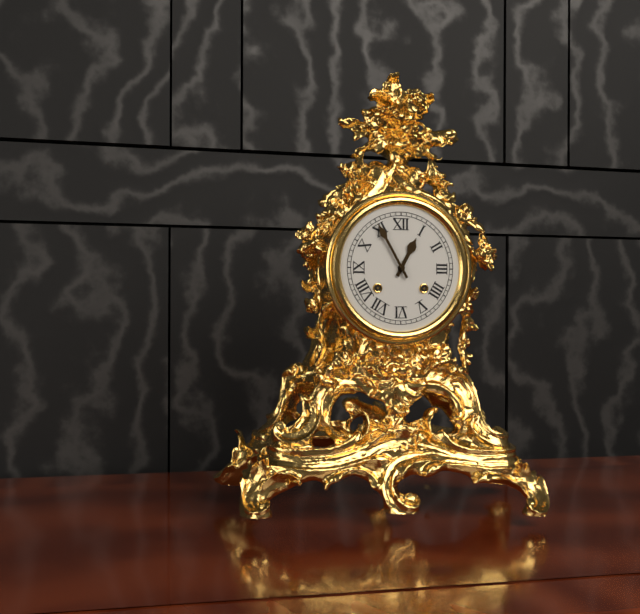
12 h 55 min
